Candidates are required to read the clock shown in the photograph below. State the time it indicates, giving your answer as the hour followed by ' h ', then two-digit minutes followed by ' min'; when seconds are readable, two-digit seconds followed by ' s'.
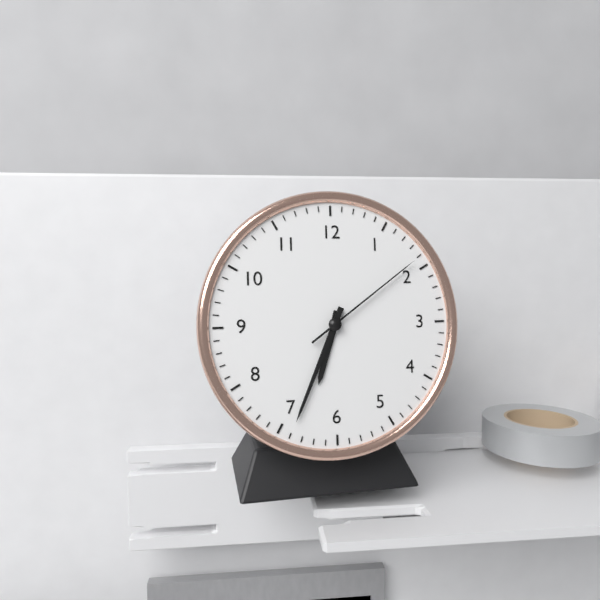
6 h 34 min 09 s
